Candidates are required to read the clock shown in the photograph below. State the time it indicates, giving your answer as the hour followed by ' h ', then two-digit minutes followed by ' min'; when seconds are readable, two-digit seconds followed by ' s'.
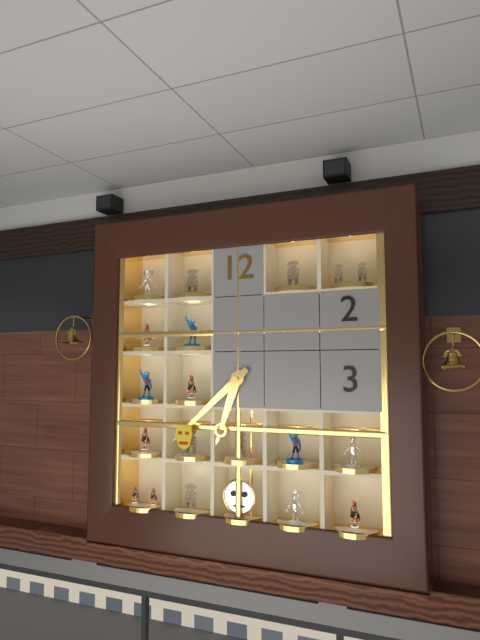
6 h 38 min
